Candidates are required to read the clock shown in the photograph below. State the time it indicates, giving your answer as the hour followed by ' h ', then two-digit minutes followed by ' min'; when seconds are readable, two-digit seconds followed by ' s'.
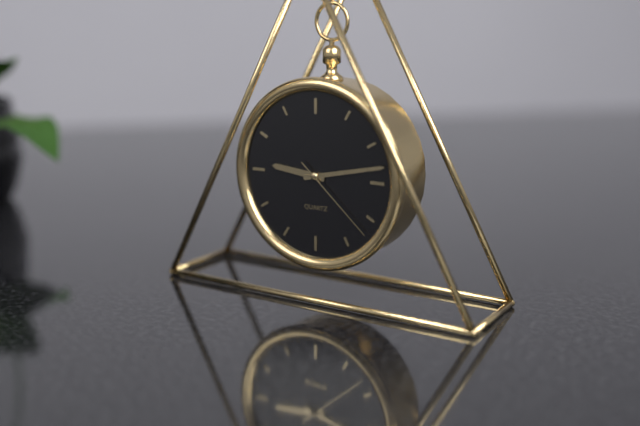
9 h 13 min 22 s
